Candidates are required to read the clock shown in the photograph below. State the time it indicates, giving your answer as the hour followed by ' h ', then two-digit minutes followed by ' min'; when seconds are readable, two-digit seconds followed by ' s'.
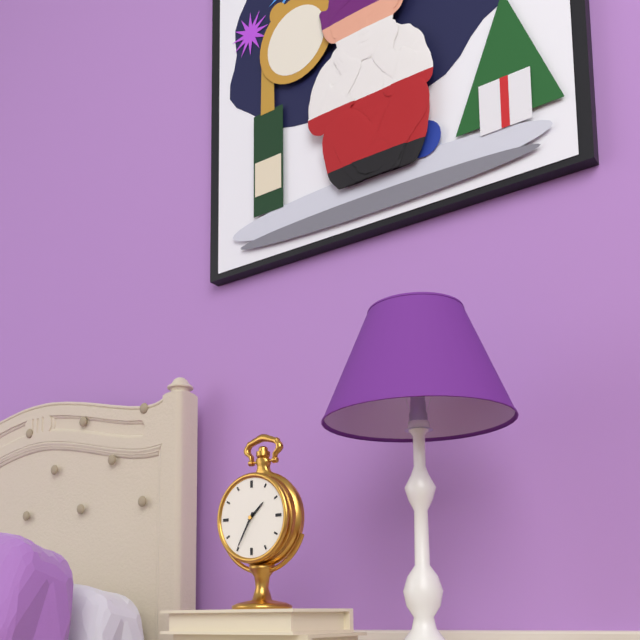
1 h 35 min
